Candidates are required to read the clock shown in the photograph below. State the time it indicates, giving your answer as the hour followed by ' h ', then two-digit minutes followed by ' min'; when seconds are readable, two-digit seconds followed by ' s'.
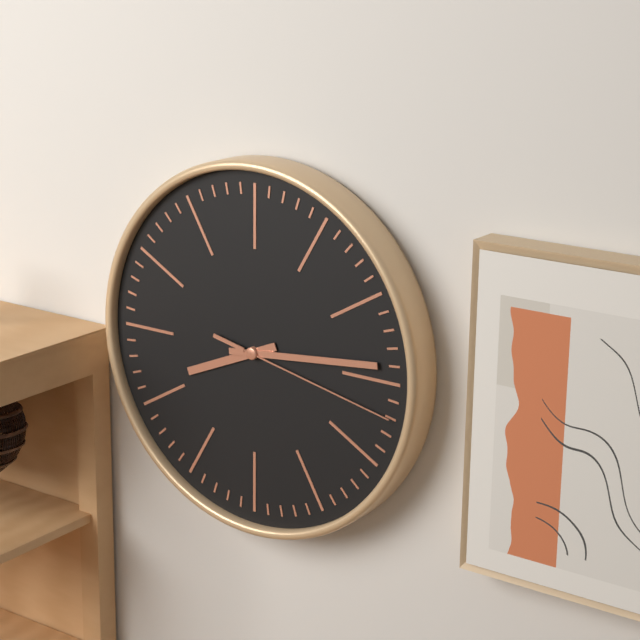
8 h 14 min 17 s
